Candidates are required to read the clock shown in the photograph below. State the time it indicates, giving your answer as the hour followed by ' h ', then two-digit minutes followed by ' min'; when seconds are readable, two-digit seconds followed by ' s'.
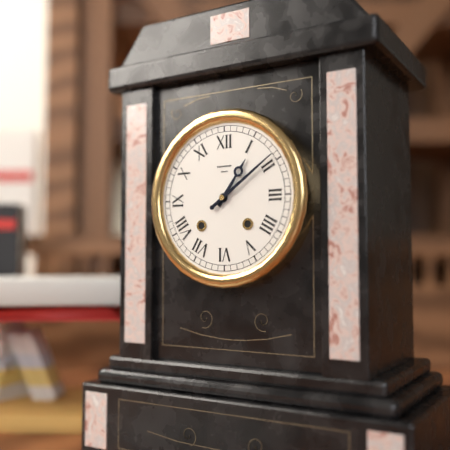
1 h 09 min
